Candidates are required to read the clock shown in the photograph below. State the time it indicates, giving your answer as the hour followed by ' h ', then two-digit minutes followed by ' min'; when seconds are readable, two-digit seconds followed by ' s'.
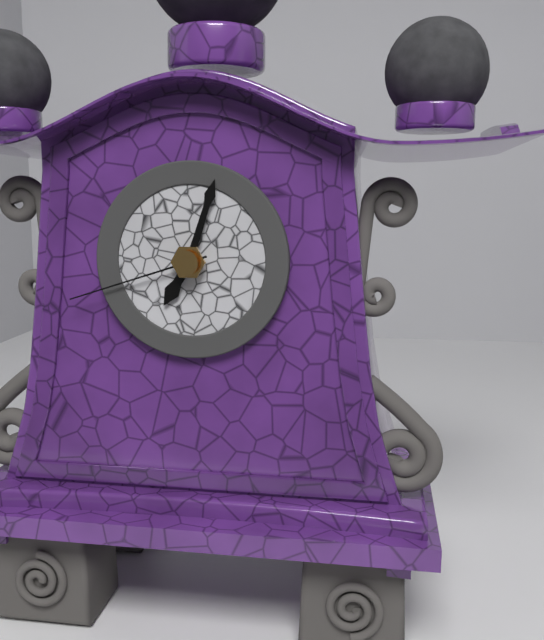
7 h 03 min 42 s
